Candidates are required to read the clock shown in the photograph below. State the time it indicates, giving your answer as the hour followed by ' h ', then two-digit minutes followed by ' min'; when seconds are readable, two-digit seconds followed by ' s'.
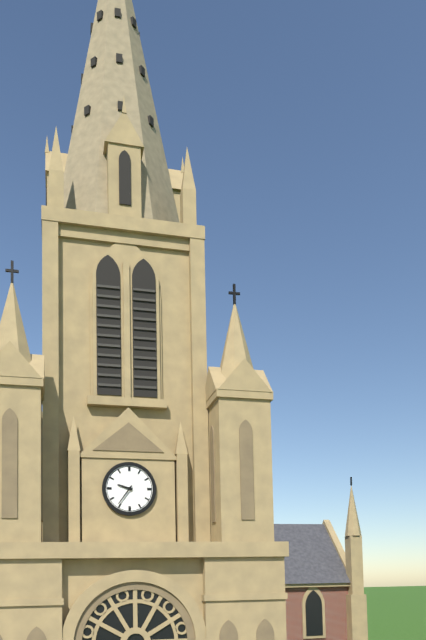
9 h 36 min
